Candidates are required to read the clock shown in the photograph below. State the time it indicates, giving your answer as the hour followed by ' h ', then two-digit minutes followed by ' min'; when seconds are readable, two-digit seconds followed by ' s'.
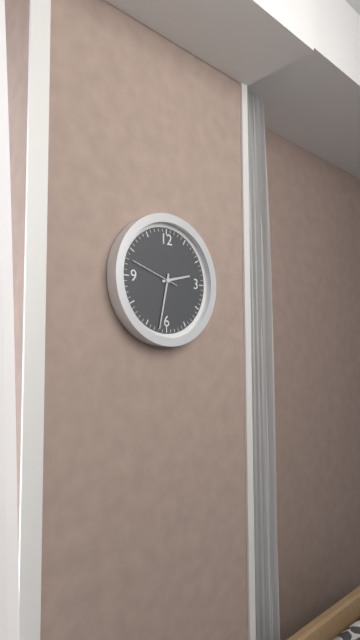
2 h 32 min 48 s
